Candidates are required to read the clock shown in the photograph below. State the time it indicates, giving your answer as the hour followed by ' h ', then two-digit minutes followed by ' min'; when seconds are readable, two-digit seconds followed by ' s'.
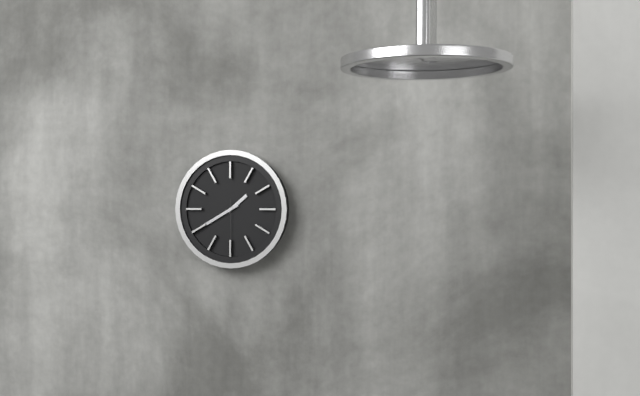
1 h 40 min 30 s
